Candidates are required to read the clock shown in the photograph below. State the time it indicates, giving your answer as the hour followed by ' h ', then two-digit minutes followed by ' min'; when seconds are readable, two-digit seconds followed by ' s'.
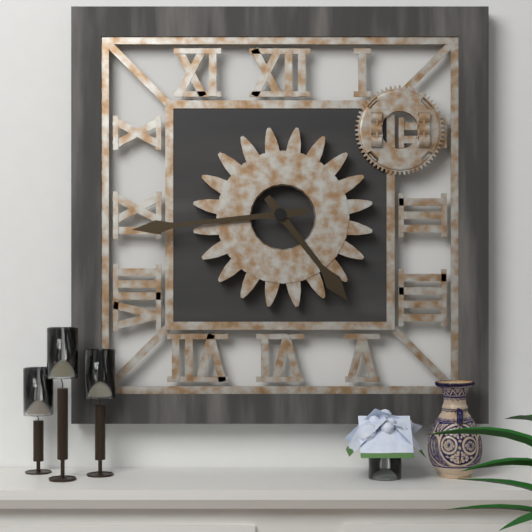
4 h 44 min
